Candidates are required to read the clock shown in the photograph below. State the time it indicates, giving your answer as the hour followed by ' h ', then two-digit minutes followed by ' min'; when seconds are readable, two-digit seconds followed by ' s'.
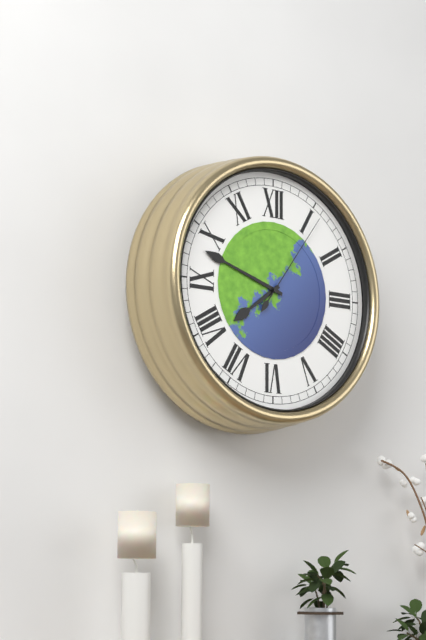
7 h 48 min 06 s
